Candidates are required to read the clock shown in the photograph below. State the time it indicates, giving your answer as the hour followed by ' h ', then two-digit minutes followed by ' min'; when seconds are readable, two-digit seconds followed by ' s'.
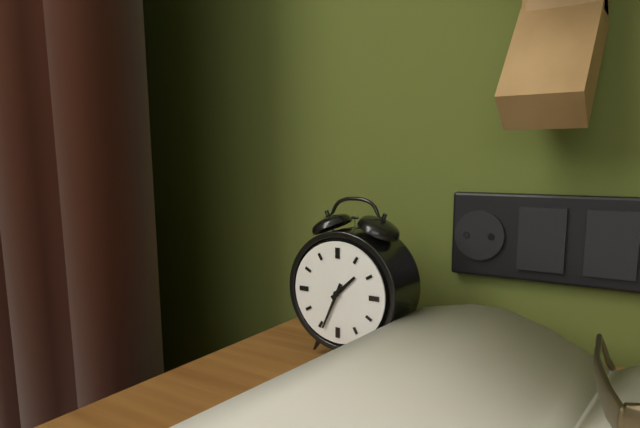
1 h 34 min
